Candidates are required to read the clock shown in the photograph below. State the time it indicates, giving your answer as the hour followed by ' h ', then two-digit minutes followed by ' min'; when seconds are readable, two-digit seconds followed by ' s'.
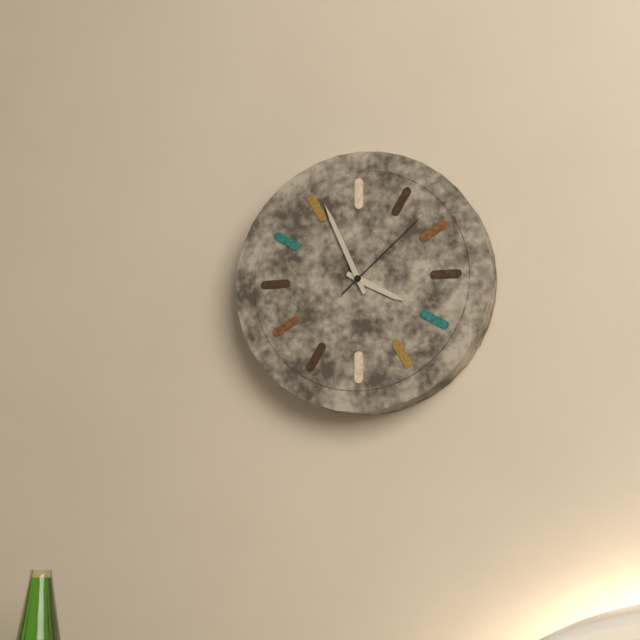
3 h 56 min 08 s
